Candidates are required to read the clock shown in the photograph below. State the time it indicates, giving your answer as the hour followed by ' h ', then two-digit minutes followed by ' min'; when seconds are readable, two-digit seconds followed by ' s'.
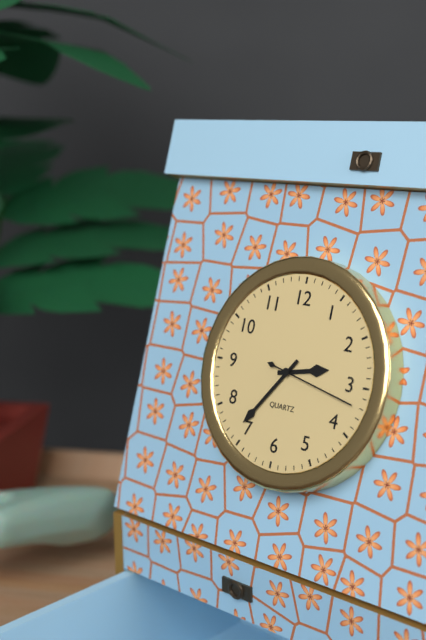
2 h 36 min 17 s
